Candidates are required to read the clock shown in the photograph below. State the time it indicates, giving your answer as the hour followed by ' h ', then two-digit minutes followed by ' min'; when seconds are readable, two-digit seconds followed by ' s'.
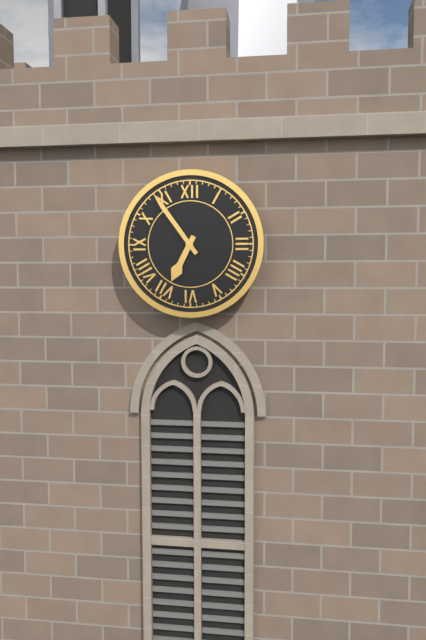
6 h 54 min
